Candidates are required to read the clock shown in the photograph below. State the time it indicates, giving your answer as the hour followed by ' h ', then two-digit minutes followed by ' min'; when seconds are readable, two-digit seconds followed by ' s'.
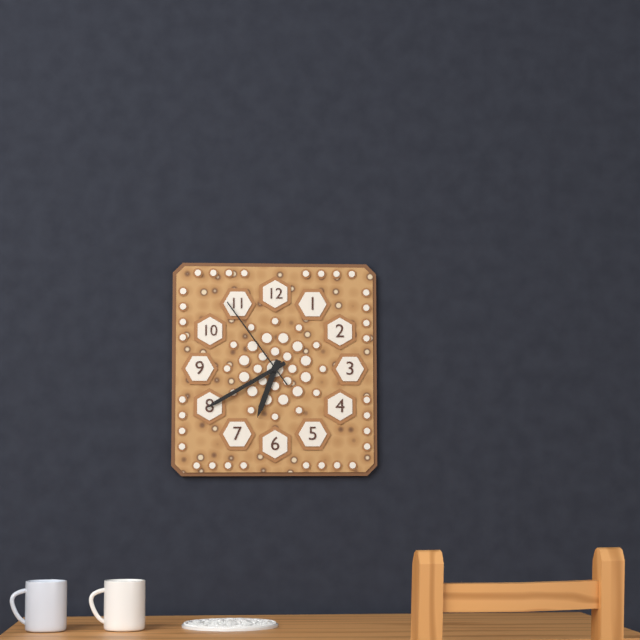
6 h 40 min 54 s
